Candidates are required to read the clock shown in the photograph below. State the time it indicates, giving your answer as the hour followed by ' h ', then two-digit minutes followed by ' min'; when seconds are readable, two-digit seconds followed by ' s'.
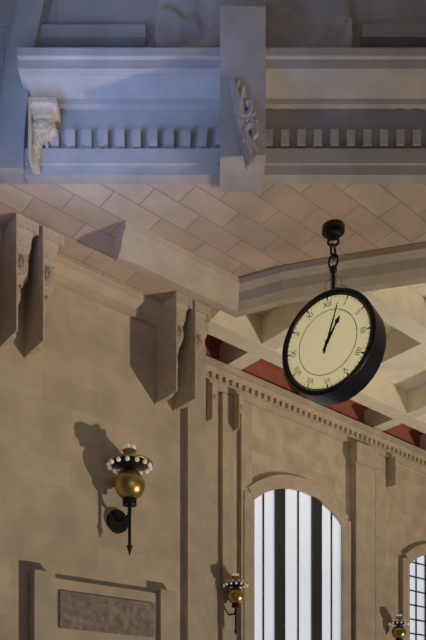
1 h 03 min
